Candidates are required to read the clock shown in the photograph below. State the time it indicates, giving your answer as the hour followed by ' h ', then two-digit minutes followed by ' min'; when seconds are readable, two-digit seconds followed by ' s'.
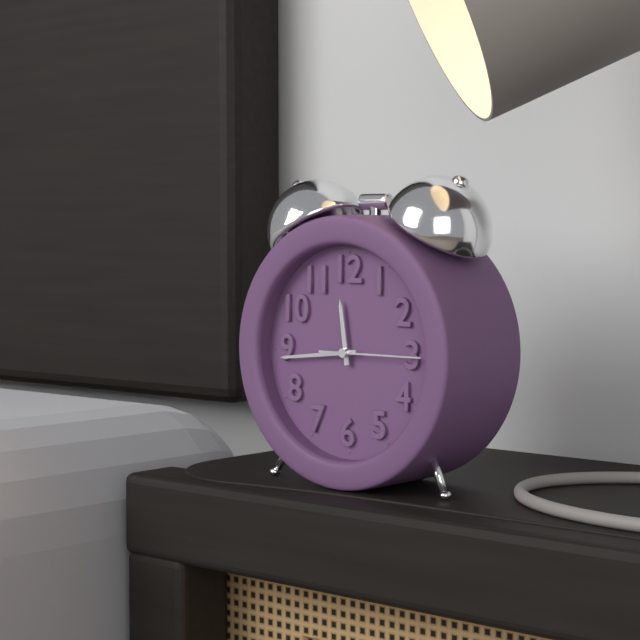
11 h 44 min 15 s
